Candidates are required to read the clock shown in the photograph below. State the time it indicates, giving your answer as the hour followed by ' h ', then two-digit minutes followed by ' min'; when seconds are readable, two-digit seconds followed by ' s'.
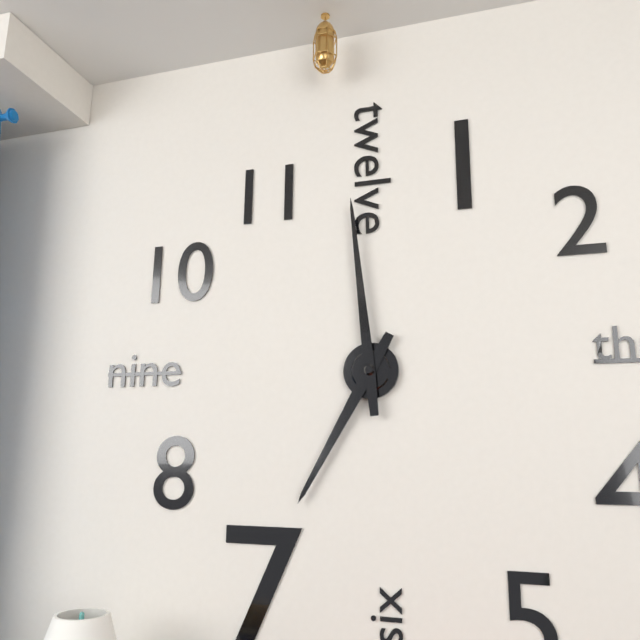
6 h 59 min
